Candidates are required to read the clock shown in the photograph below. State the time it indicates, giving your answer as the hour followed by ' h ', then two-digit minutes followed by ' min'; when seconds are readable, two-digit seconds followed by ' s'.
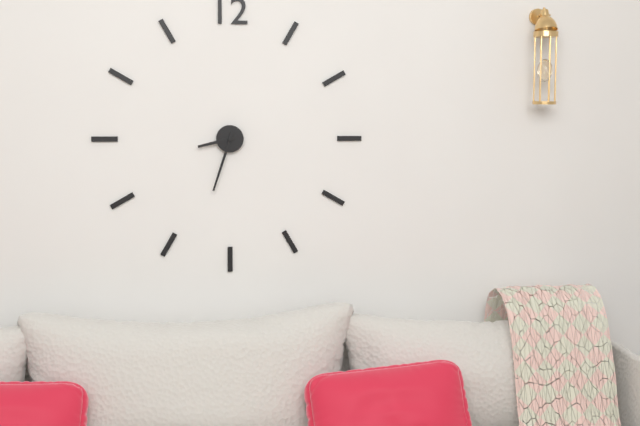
8 h 33 min
